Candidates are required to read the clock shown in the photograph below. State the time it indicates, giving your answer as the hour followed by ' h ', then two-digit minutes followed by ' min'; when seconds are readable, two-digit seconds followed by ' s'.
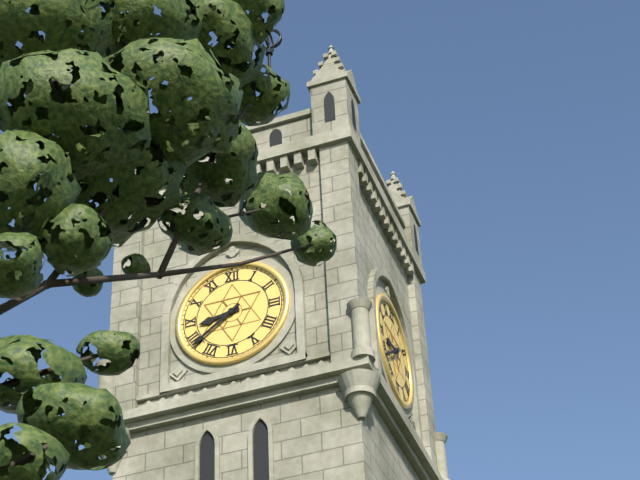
8 h 39 min
